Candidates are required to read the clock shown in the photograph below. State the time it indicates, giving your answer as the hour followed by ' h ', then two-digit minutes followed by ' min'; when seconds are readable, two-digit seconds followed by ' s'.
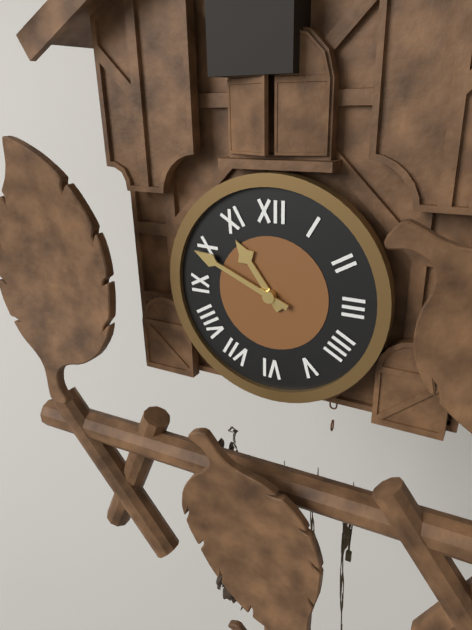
10 h 49 min
